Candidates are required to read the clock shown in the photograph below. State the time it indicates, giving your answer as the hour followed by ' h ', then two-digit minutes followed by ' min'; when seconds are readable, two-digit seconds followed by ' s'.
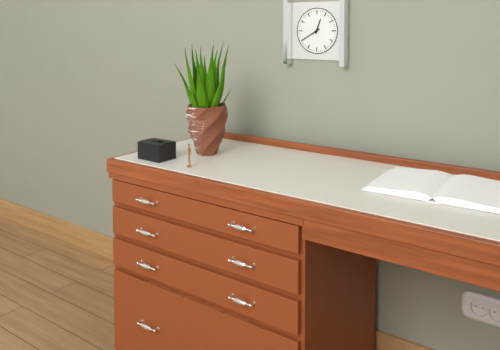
12 h 40 min
